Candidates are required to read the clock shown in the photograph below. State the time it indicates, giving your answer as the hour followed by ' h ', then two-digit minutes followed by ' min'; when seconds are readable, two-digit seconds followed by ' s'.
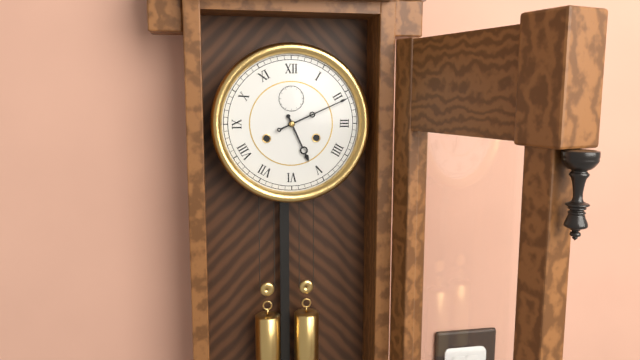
5 h 11 min
